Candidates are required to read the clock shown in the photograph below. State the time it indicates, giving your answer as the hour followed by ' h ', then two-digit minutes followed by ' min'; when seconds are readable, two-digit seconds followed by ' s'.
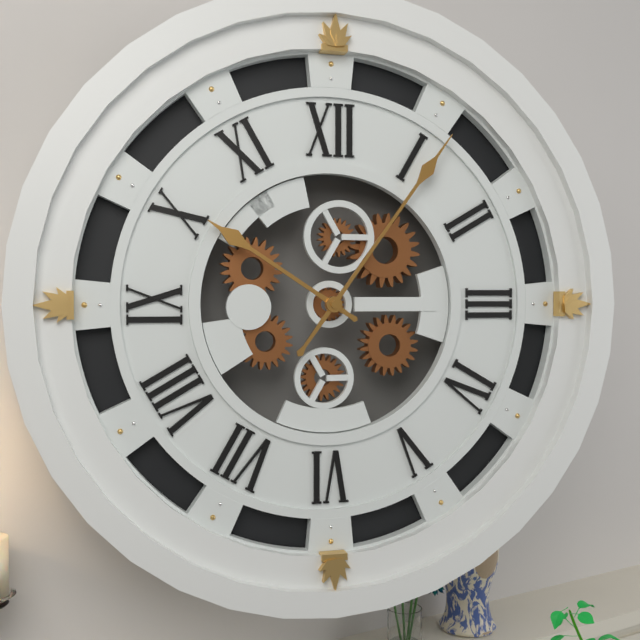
10 h 06 min
